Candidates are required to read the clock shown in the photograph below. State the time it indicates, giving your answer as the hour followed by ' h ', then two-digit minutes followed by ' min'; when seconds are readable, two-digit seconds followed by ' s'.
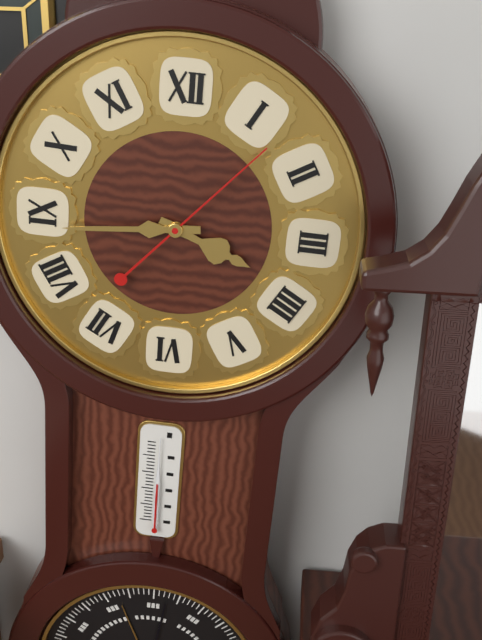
3 h 44 min 07 s
